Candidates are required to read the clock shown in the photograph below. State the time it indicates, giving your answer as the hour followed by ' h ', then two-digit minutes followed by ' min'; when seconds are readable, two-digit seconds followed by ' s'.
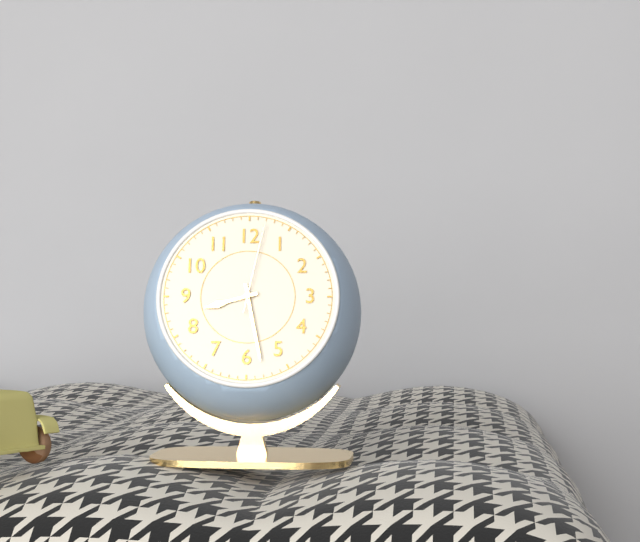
8 h 28 min 02 s
